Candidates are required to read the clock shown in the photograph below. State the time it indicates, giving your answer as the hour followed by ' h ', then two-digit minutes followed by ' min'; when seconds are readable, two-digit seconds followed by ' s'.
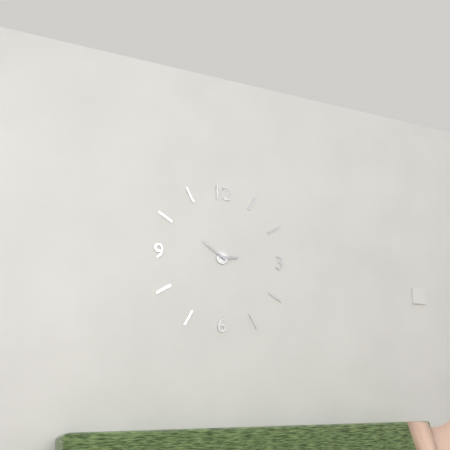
2 h 51 min
